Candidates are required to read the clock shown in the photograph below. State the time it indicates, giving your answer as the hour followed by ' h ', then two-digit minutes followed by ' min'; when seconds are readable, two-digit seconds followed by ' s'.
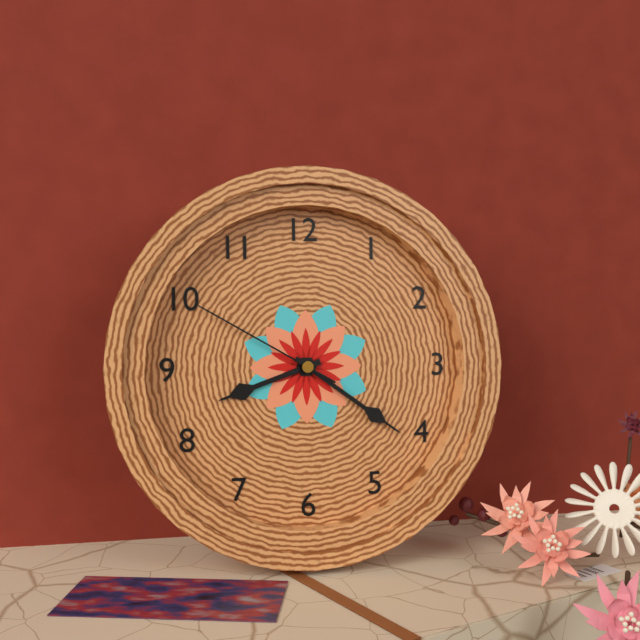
8 h 21 min 50 s
